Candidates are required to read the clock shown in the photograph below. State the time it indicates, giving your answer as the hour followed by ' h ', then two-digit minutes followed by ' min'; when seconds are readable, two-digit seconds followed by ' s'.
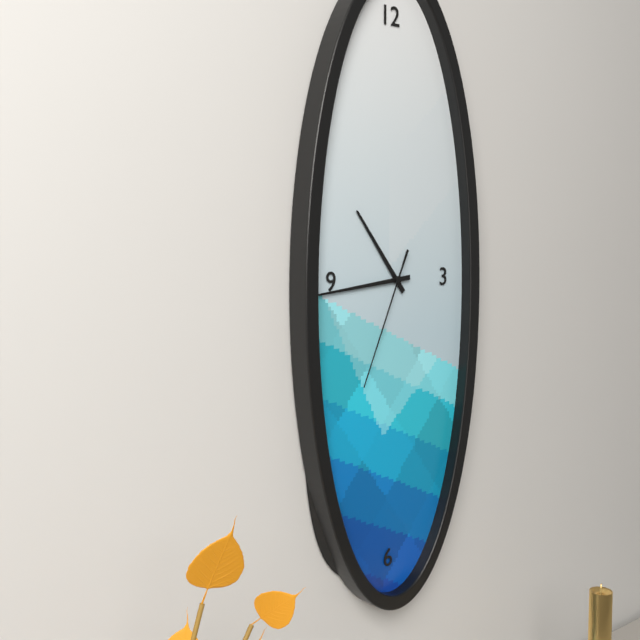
10 h 44 min 34 s
